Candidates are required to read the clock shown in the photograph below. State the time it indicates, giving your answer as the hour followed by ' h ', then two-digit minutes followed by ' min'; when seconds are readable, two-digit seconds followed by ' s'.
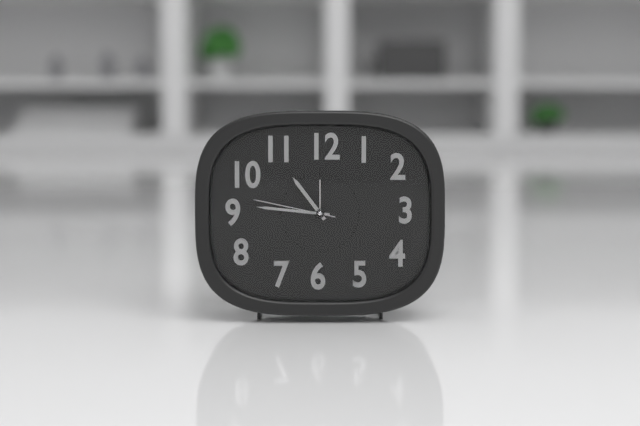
10 h 46 min 47 s
